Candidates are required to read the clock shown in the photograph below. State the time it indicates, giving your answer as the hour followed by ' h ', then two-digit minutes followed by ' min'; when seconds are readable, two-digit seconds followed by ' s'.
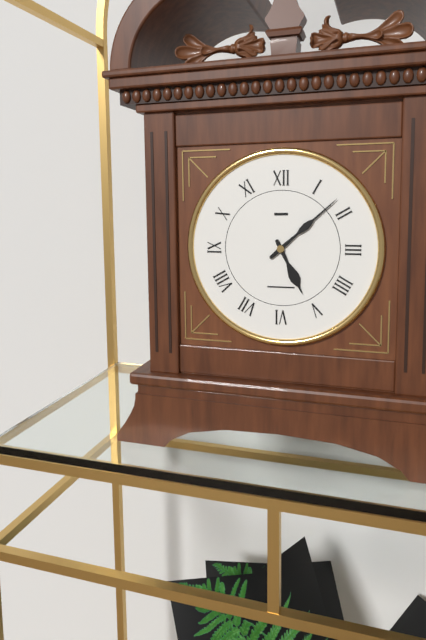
5 h 08 min
